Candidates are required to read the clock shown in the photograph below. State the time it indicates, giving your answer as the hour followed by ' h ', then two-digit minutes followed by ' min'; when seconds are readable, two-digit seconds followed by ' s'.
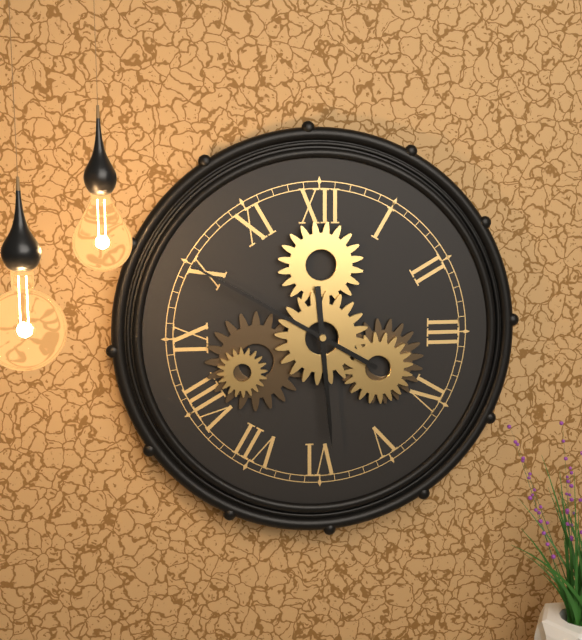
5 h 50 min
